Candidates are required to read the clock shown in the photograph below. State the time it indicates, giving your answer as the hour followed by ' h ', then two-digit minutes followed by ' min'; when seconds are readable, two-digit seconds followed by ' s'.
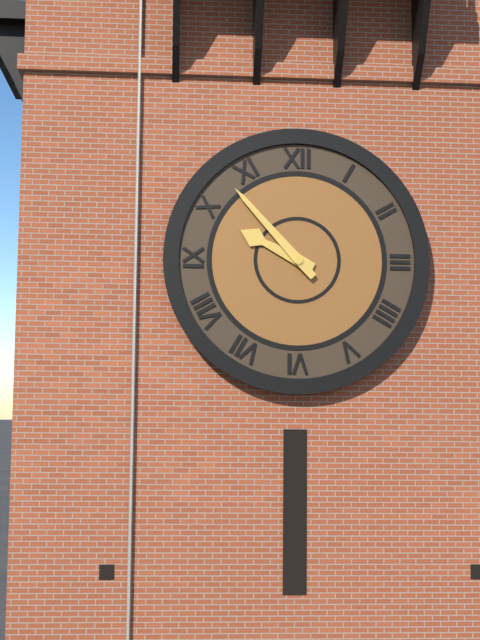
9 h 53 min
